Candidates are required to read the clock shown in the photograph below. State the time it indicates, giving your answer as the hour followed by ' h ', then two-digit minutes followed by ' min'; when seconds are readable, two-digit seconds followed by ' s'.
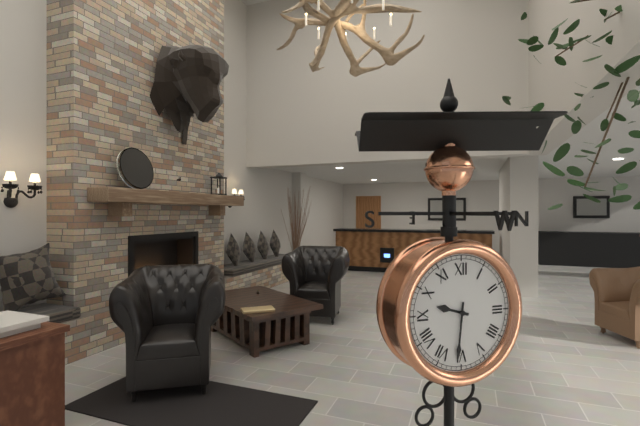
9 h 31 min
